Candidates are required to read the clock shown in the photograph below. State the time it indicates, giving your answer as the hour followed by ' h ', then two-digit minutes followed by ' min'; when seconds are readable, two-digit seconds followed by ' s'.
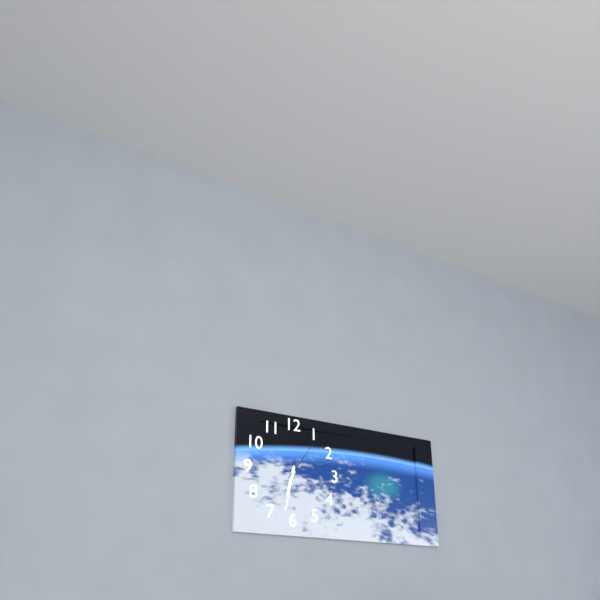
6 h 32 min
